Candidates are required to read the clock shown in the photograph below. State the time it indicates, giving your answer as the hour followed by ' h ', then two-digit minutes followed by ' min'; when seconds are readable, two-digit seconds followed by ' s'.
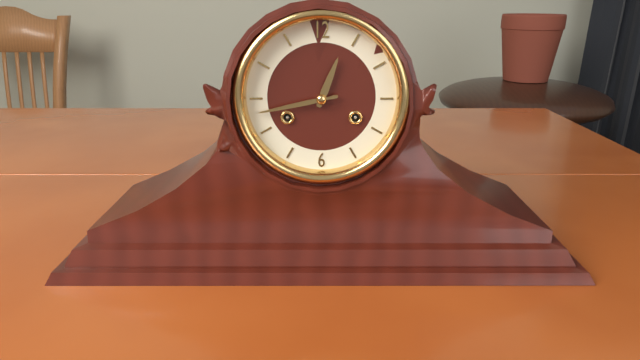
12 h 43 min
